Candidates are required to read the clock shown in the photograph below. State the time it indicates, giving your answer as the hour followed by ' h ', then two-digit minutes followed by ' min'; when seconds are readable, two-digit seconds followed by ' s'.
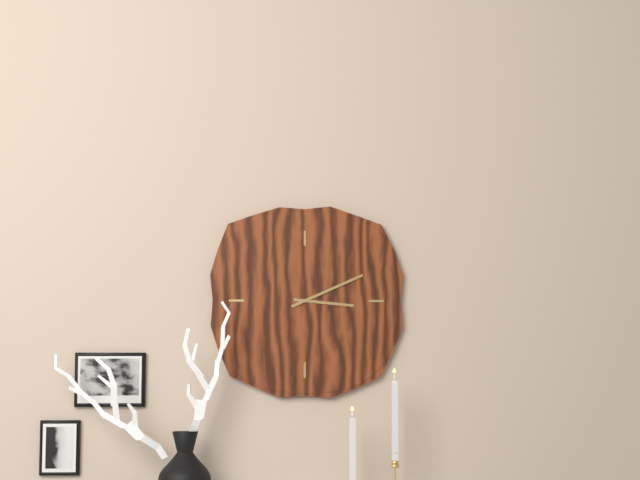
3 h 11 min
